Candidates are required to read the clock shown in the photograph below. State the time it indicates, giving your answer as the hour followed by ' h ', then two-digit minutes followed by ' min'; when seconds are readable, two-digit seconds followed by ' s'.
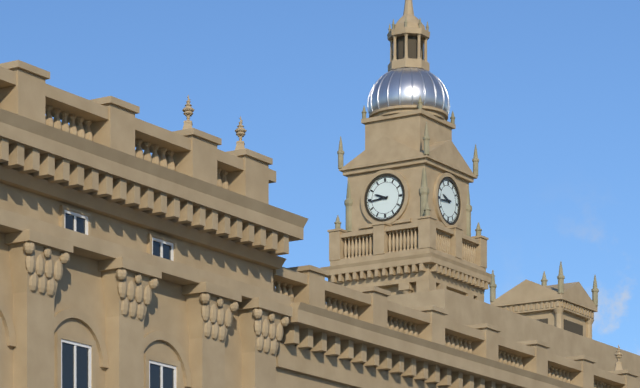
9 h 44 min
